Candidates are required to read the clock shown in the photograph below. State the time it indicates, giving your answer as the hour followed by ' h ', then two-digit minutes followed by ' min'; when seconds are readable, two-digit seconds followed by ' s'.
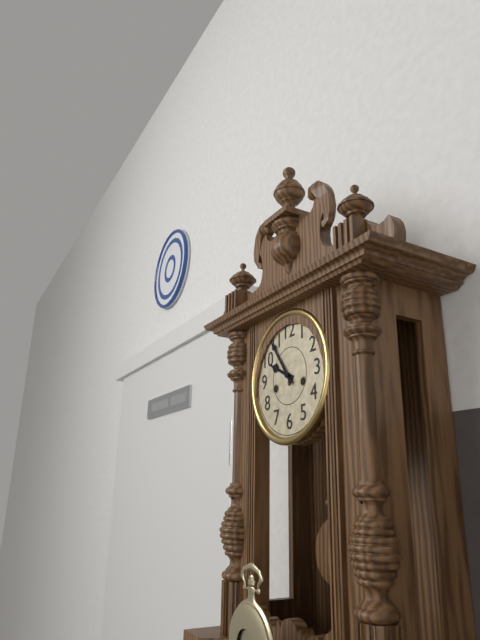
9 h 54 min
